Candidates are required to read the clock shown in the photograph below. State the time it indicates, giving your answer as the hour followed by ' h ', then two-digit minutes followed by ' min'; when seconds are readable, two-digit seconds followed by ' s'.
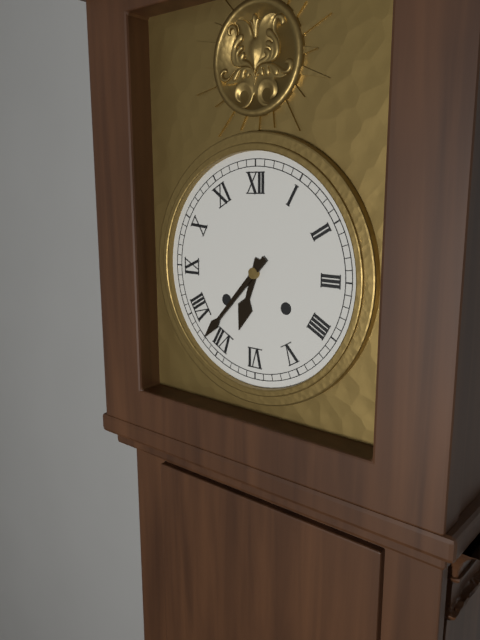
6 h 37 min
